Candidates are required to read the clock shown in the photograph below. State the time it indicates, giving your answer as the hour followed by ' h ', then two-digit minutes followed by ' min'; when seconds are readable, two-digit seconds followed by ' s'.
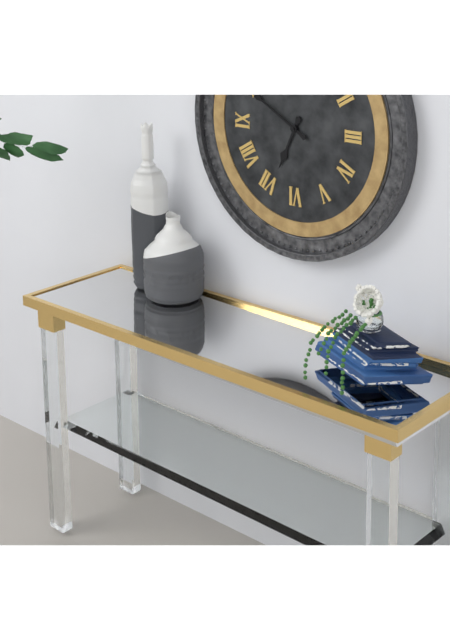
6 h 50 min
